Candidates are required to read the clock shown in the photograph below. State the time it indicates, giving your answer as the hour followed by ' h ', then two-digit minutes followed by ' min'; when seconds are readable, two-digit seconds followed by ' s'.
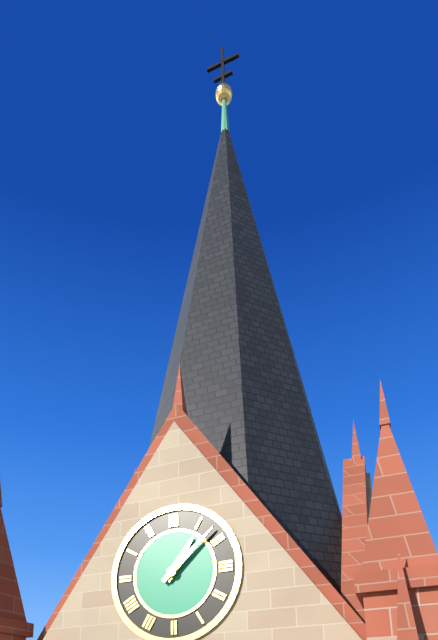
1 h 08 min
